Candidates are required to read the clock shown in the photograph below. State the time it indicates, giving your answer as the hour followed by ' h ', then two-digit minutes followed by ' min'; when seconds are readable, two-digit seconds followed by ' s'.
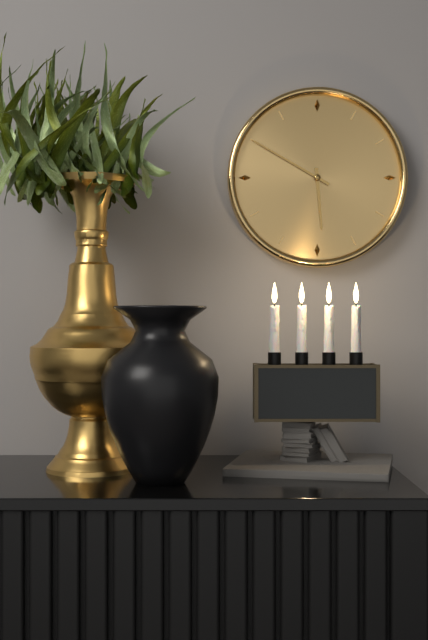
5 h 50 min
